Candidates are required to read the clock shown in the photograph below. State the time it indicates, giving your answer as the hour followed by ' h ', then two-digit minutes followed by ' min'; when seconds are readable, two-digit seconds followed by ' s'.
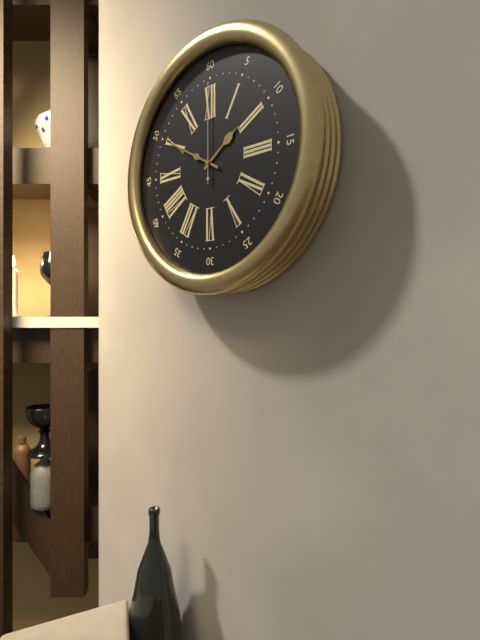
1 h 50 min 00 s
